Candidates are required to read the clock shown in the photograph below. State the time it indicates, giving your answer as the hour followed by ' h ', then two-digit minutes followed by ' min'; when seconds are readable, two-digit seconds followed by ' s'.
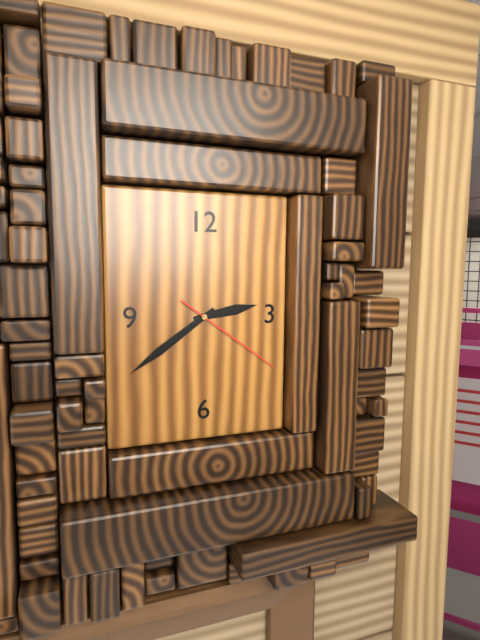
2 h 39 min 21 s
